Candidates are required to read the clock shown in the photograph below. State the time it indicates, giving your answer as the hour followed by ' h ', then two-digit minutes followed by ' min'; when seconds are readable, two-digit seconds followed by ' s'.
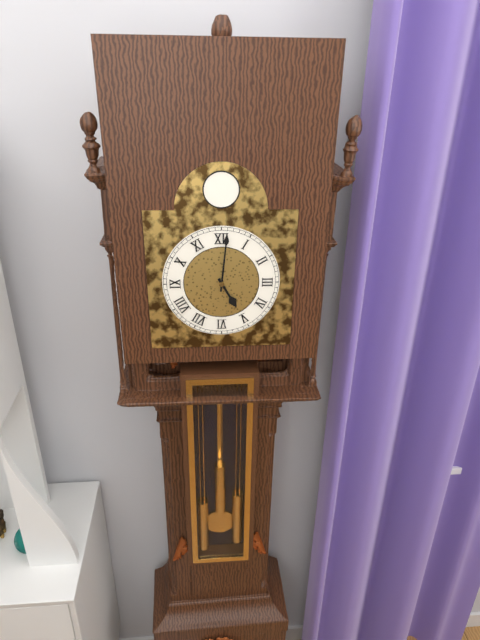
5 h 01 min
